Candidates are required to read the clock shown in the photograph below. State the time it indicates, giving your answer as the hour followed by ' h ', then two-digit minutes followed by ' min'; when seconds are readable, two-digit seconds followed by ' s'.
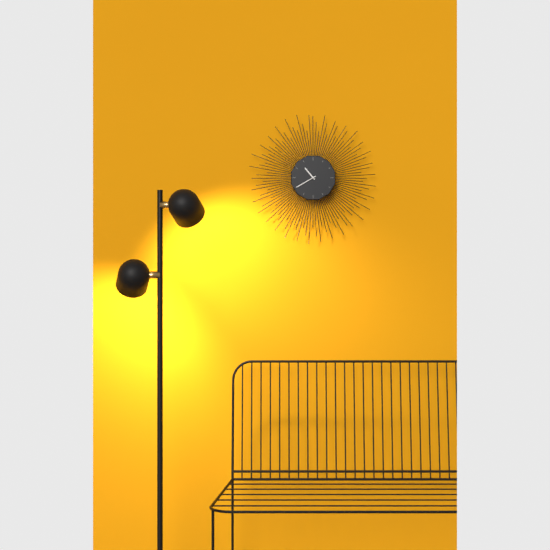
10 h 40 min
